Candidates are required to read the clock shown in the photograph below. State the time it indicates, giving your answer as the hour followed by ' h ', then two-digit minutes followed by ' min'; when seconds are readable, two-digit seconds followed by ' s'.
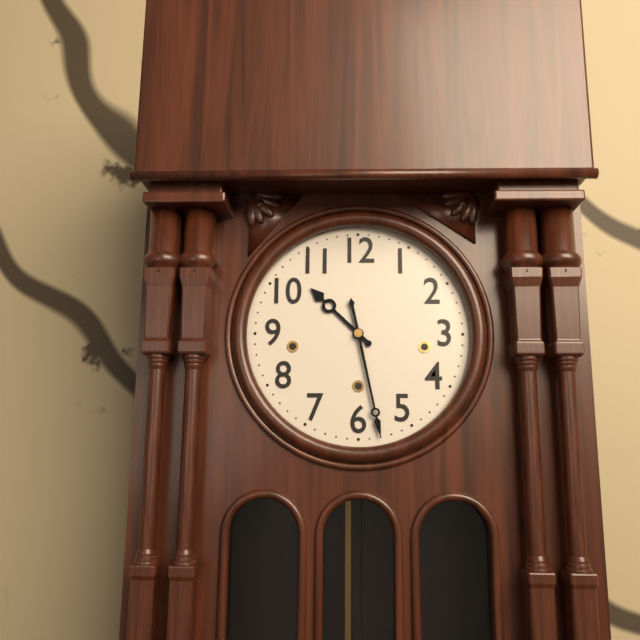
10 h 28 min
